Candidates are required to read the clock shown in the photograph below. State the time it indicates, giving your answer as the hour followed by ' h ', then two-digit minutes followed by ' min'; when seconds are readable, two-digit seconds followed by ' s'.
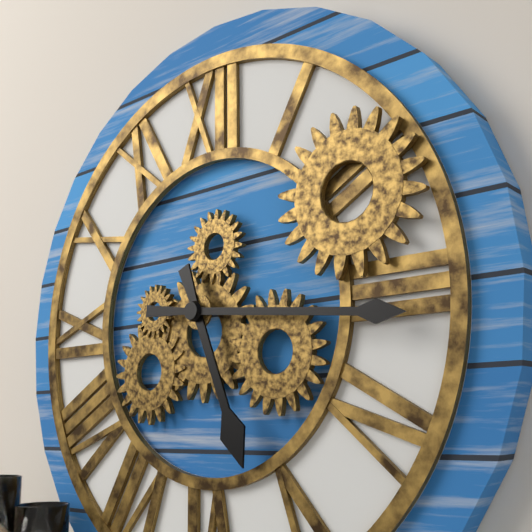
5 h 16 min
